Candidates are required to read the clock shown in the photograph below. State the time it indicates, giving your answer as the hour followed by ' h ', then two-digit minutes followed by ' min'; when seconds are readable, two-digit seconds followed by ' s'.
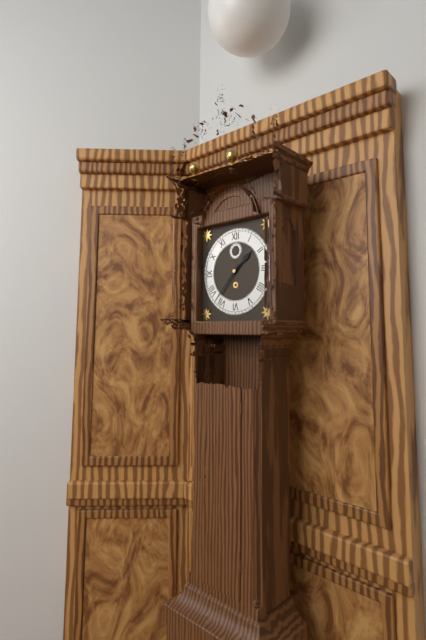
1 h 37 min
